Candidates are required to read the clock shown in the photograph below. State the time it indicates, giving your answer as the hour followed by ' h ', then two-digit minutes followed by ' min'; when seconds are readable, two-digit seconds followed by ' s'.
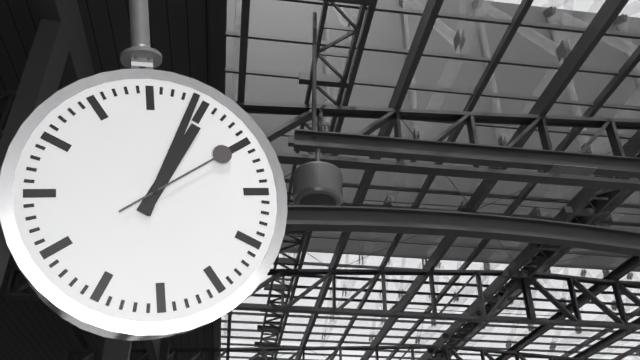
1 h 04 min 10 s
